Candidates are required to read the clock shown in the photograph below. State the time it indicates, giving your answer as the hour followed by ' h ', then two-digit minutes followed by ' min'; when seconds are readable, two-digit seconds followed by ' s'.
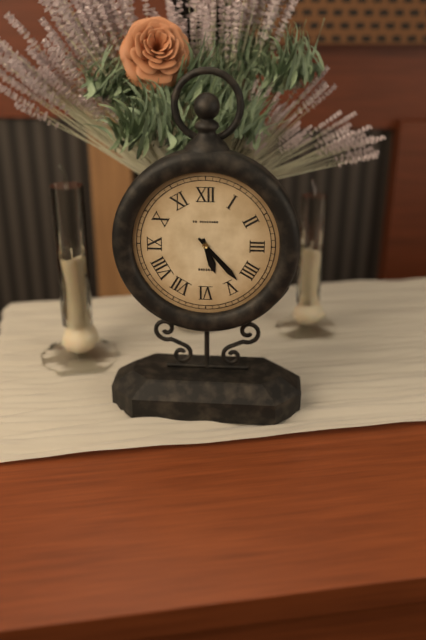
5 h 23 min
